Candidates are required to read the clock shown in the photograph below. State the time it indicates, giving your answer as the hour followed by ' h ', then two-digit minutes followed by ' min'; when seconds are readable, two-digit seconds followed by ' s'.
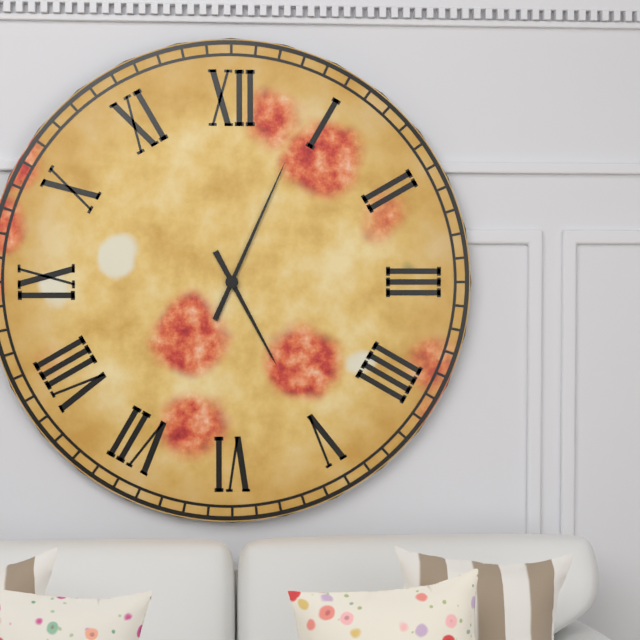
5 h 04 min
